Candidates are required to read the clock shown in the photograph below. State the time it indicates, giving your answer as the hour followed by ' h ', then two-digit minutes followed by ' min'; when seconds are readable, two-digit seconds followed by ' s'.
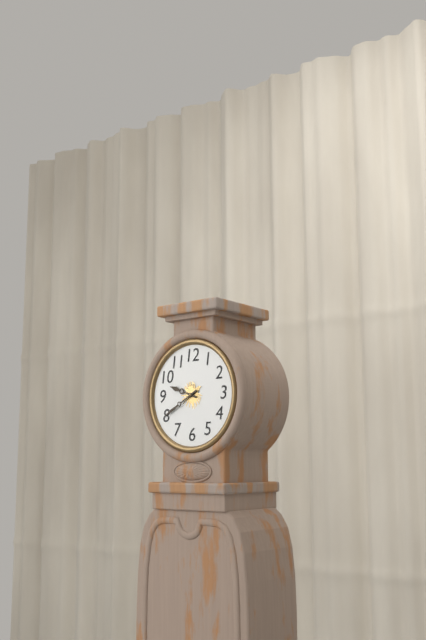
9 h 40 min
